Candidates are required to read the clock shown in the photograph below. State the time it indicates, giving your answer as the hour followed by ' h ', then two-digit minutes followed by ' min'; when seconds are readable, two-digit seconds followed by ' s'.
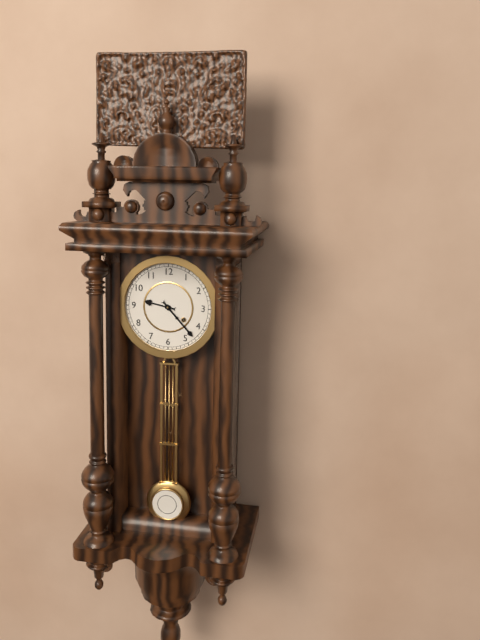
9 h 23 min
